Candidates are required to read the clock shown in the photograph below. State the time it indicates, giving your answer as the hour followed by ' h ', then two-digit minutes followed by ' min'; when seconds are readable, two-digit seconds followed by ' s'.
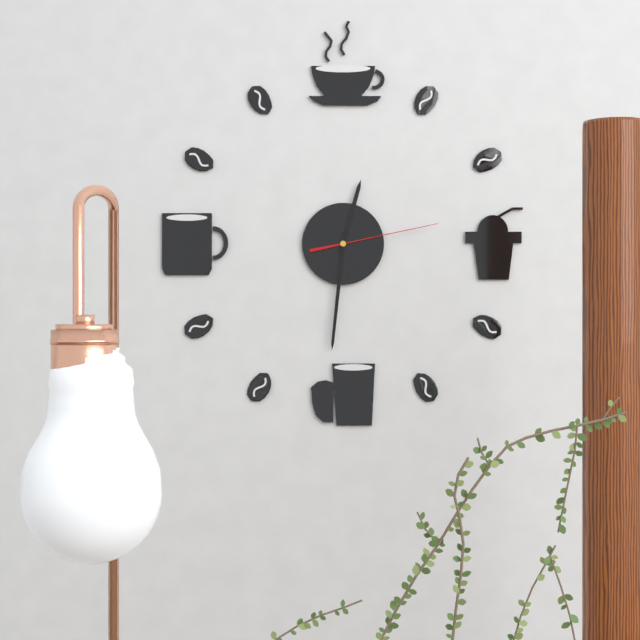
12 h 31 min 13 s
